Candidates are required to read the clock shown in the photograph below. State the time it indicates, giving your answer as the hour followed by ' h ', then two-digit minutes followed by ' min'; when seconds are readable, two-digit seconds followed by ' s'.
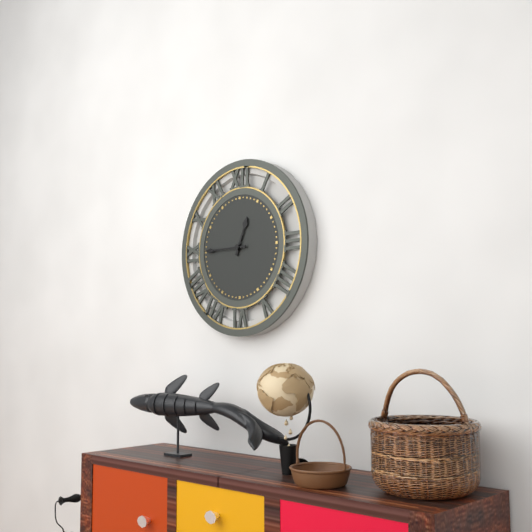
12 h 45 min
